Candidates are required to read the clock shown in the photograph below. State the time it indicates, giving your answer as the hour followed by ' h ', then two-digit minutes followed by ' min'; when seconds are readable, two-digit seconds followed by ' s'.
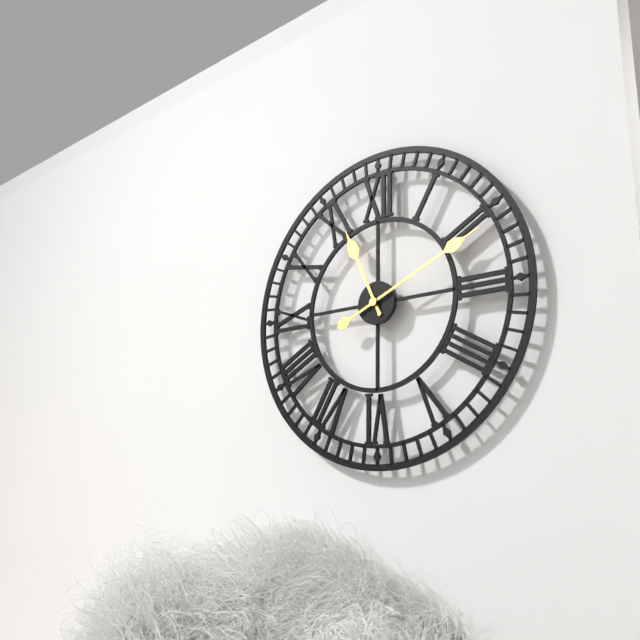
11 h 11 min
